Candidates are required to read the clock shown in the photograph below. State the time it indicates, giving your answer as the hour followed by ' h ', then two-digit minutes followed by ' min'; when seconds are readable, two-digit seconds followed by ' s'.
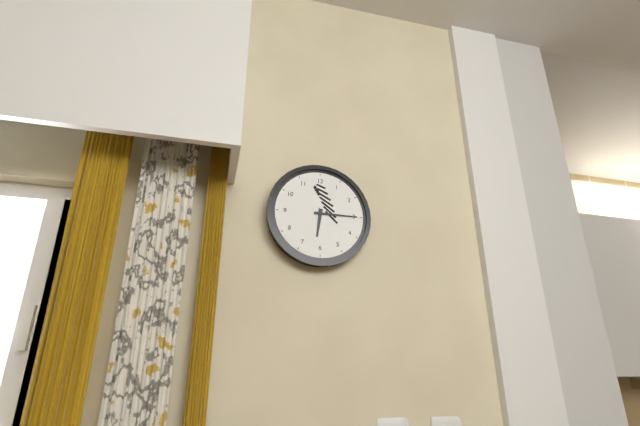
6 h 15 min
